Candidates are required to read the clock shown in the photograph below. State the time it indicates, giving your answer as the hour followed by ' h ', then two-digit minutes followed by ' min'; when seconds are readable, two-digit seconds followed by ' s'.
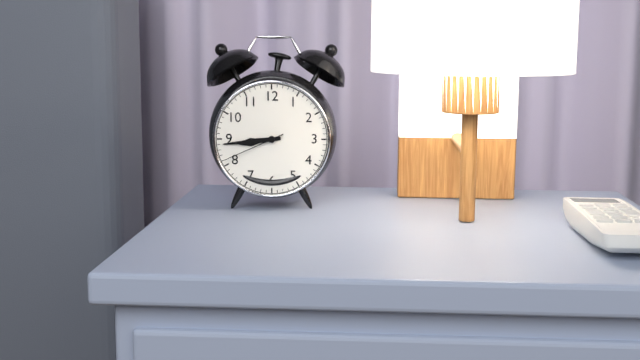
8 h 44 min 41 s
